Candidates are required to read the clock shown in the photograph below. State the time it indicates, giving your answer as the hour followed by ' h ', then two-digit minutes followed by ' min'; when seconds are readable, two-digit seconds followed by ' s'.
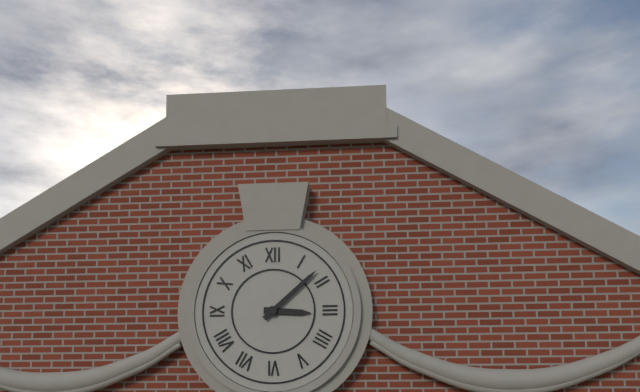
3 h 08 min
